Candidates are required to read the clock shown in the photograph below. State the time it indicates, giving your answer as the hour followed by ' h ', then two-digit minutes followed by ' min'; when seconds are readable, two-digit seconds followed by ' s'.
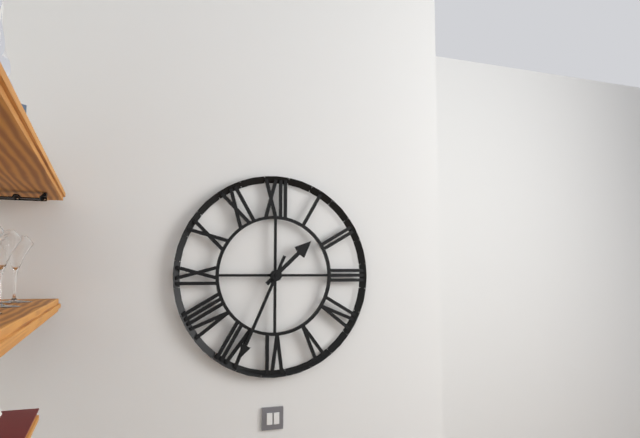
1 h 34 min
